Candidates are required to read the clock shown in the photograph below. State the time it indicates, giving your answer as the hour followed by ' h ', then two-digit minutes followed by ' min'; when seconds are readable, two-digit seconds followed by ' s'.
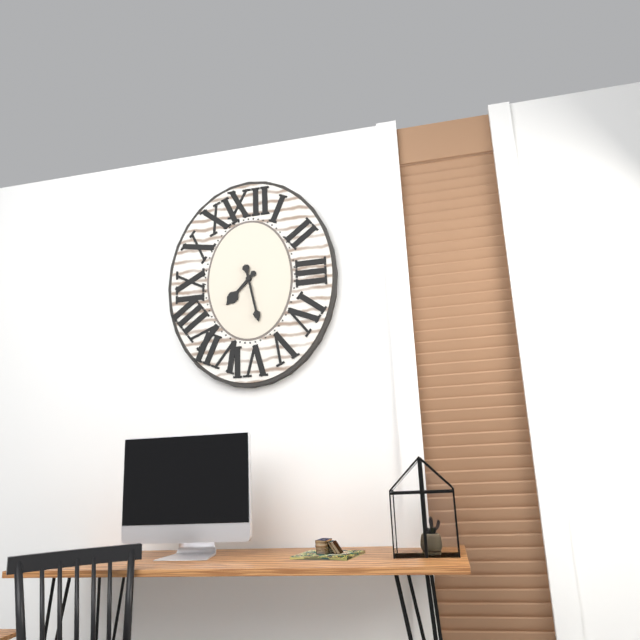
7 h 28 min
